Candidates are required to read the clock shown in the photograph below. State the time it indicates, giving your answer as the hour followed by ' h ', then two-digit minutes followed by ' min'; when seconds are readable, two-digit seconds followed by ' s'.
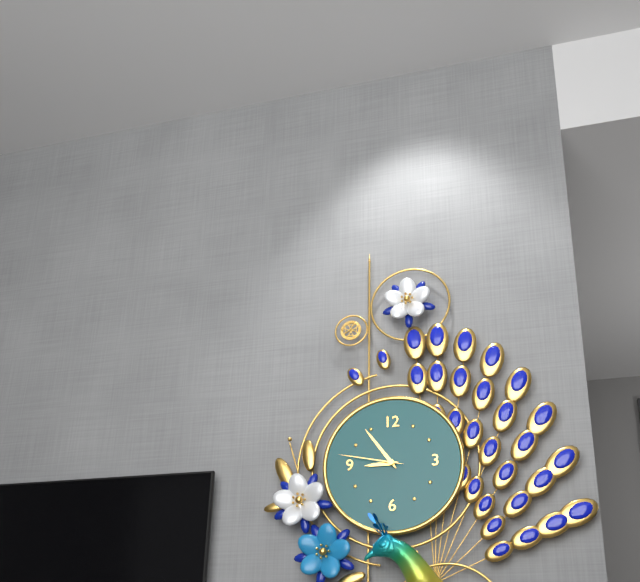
8 h 54 min 47 s
